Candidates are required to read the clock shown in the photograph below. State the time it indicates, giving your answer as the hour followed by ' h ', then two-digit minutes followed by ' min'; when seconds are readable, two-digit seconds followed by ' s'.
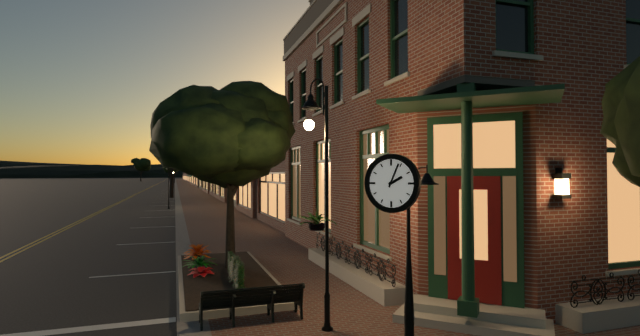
2 h 04 min
